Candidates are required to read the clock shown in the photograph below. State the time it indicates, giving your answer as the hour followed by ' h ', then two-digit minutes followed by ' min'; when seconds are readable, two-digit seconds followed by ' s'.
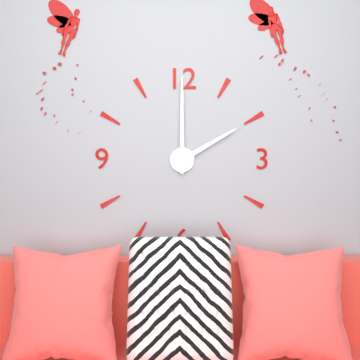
2 h 00 min
